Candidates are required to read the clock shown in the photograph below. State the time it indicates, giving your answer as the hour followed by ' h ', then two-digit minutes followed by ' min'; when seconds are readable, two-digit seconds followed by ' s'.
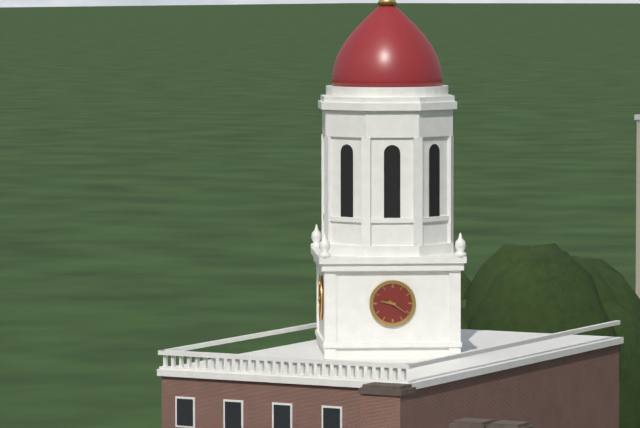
9 h 21 min
